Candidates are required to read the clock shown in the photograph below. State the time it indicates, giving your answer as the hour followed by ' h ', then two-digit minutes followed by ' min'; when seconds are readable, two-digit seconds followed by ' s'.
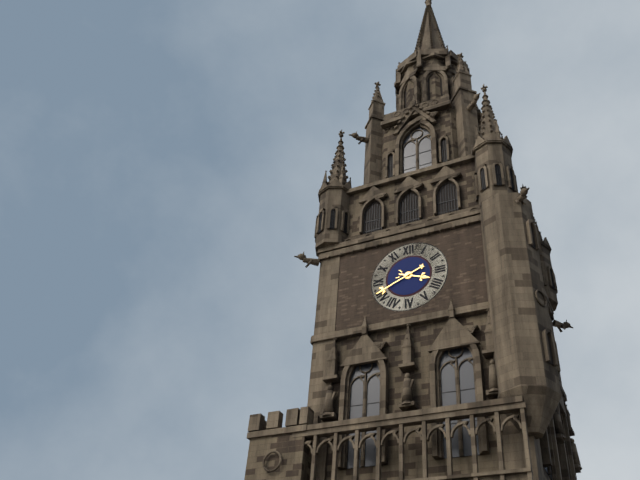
3 h 41 min
